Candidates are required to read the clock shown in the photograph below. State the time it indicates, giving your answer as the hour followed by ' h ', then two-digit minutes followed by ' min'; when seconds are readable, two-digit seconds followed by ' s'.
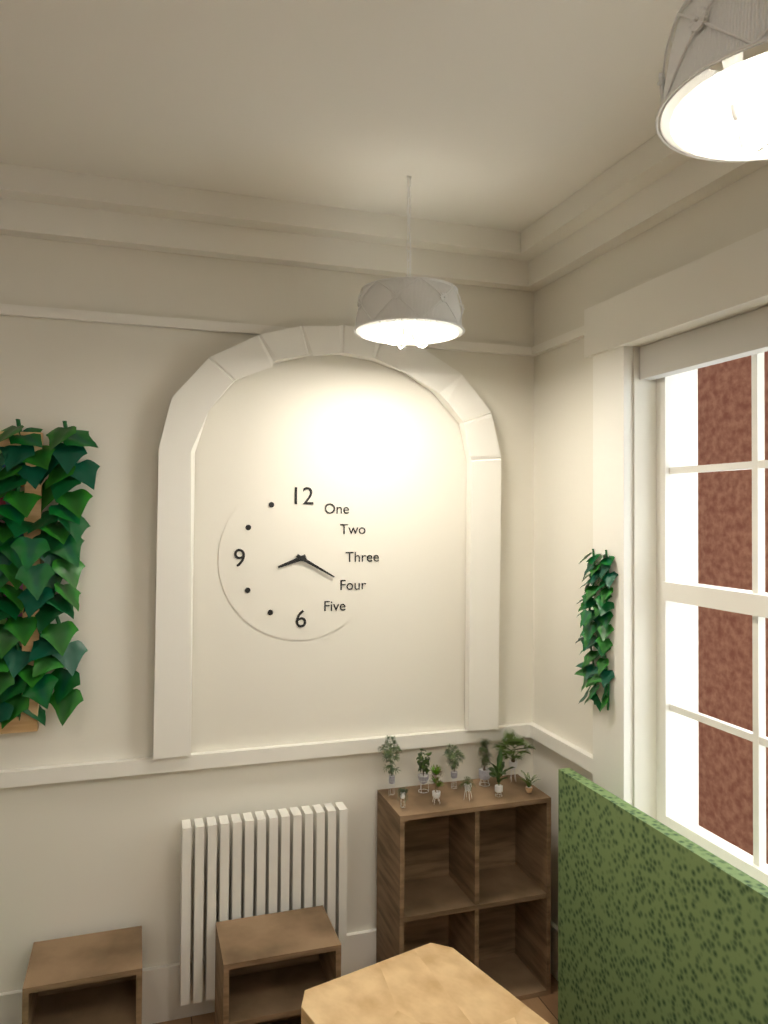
8 h 20 min
